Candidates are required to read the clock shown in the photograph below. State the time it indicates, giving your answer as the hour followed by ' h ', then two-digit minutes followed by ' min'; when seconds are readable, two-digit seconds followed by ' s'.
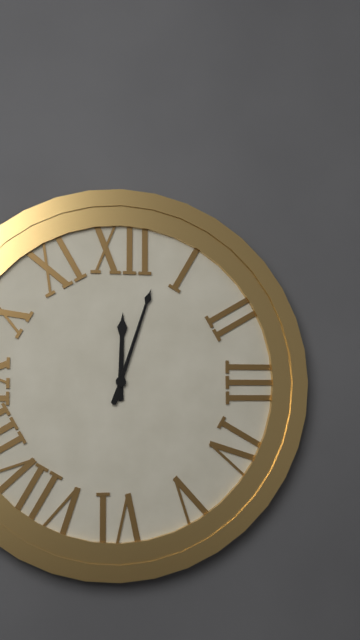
12 h 03 min
